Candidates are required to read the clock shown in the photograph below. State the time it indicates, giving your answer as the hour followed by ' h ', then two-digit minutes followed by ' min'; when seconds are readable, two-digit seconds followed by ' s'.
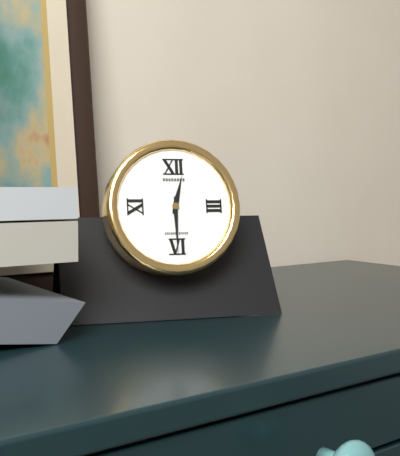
12 h 30 min
